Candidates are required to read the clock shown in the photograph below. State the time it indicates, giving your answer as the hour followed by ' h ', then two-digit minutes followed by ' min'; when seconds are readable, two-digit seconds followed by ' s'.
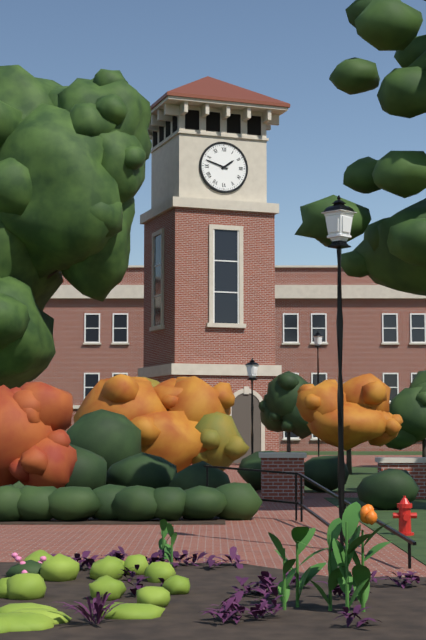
1 h 48 min
